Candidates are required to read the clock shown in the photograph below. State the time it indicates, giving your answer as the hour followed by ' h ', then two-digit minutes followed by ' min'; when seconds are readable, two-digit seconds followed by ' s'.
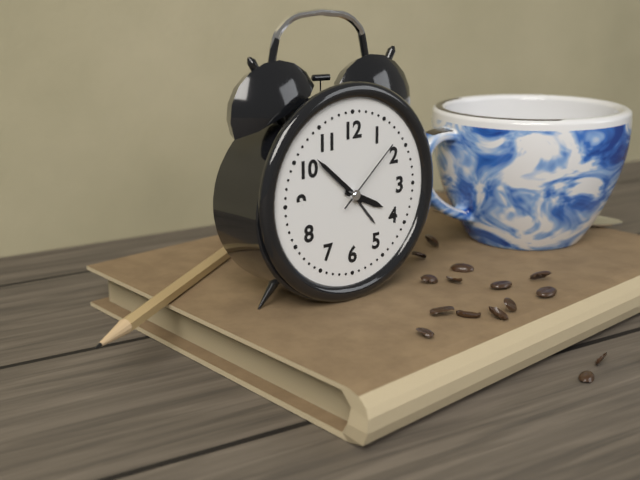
3 h 52 min 08 s
